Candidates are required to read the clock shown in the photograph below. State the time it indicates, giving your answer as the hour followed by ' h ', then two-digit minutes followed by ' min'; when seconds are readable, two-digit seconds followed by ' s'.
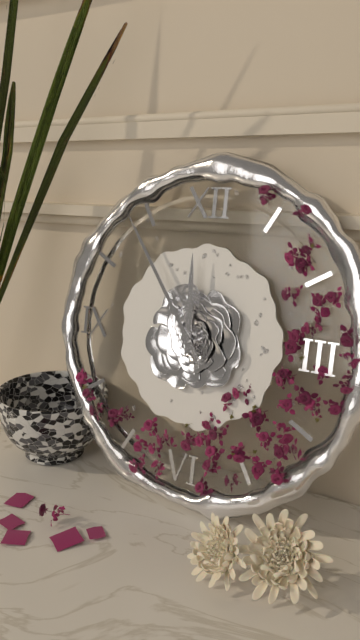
11 h 54 min
